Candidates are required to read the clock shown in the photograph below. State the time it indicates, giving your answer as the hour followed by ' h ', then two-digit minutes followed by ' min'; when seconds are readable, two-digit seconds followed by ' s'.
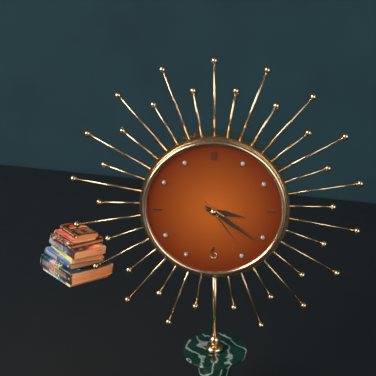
3 h 21 min 24 s
